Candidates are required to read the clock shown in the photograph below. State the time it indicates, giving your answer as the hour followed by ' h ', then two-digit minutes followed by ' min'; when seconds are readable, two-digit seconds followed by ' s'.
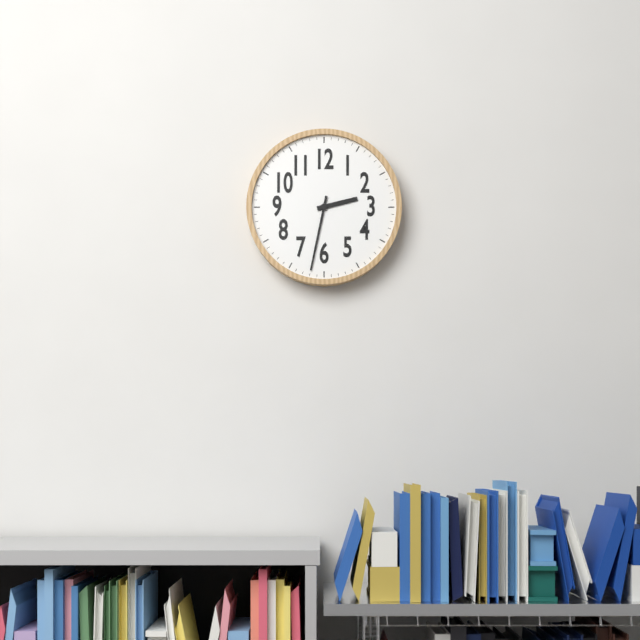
2 h 32 min
